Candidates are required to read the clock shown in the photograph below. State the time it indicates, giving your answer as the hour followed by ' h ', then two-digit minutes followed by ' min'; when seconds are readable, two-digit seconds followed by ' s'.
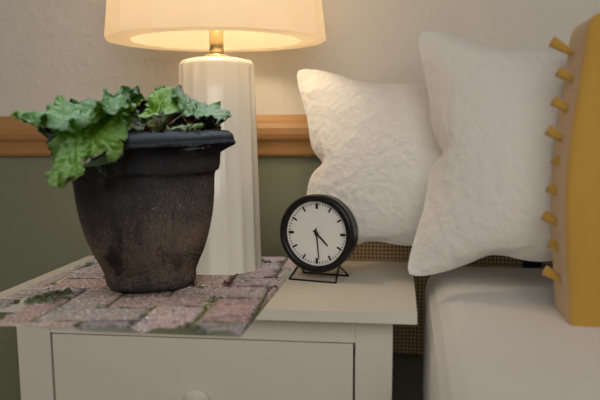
4 h 29 min
